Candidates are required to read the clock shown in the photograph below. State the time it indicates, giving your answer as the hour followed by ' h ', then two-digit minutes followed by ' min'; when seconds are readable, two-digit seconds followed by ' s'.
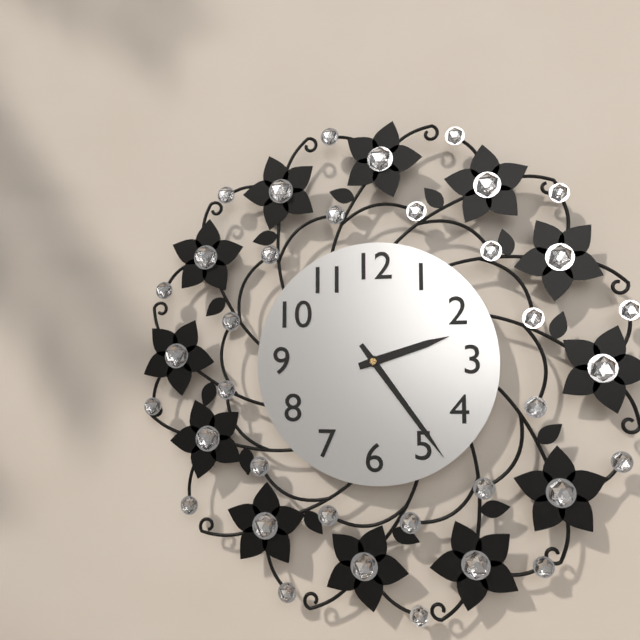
2 h 24 min
